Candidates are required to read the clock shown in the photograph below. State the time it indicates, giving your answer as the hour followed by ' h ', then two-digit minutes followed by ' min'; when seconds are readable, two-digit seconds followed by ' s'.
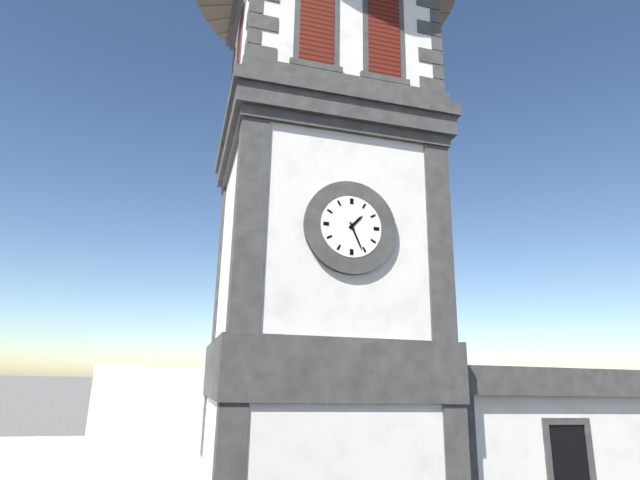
1 h 26 min
